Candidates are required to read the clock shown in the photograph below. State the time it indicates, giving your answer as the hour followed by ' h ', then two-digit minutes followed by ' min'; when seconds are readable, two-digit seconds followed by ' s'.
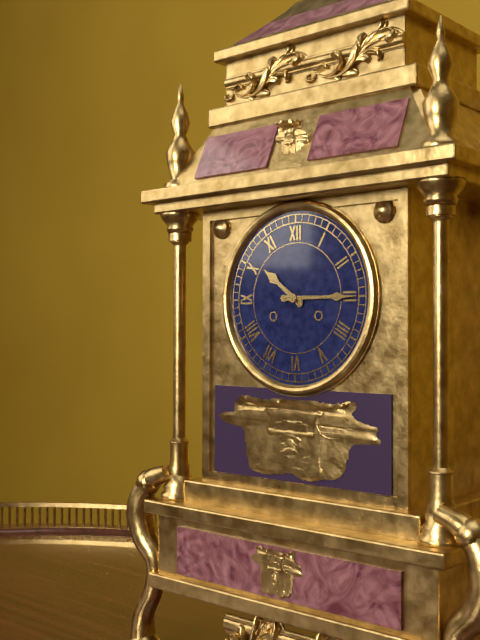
10 h 15 min
